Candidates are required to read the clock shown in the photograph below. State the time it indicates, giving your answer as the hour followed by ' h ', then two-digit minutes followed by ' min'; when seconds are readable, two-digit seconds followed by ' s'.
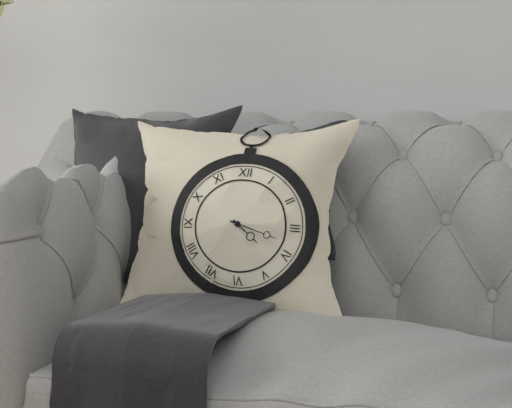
4 h 18 min
